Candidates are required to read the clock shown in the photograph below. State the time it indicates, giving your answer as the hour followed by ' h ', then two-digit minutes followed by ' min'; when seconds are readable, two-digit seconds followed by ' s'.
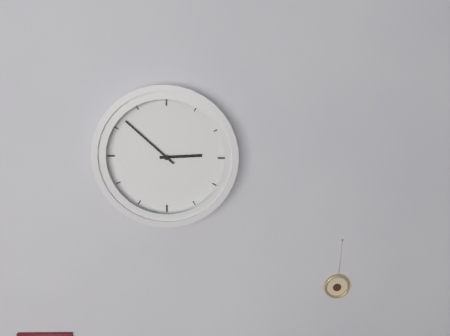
2 h 52 min
